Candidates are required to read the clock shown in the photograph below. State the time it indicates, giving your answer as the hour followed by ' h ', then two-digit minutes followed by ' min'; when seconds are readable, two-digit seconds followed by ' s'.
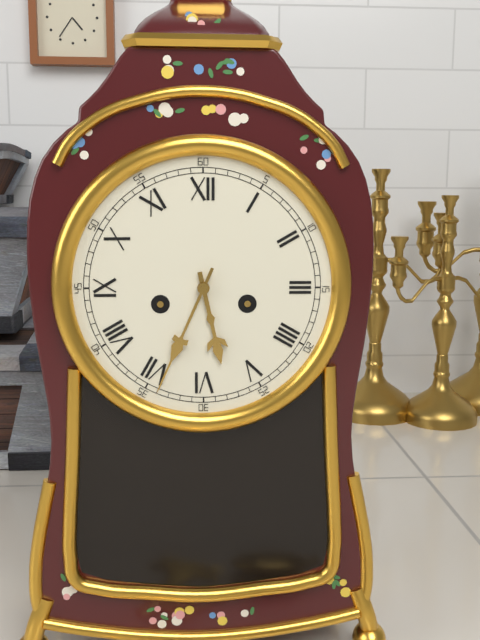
5 h 34 min
